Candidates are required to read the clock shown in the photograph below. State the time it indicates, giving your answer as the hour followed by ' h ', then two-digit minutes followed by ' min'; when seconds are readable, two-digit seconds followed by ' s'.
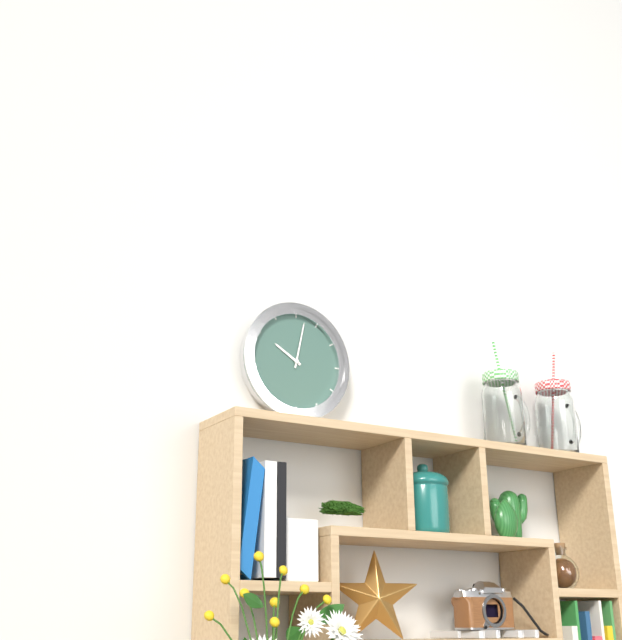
10 h 02 min
